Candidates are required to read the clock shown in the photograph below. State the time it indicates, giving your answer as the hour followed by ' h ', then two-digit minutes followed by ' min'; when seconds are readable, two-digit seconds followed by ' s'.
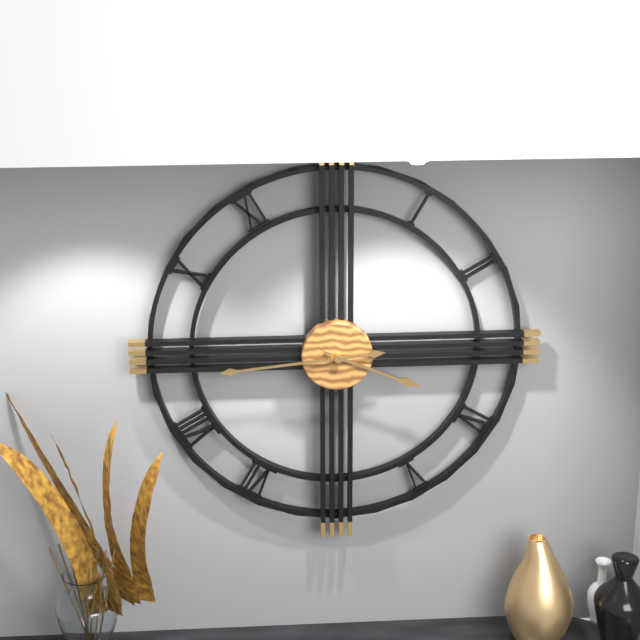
3 h 44 min
